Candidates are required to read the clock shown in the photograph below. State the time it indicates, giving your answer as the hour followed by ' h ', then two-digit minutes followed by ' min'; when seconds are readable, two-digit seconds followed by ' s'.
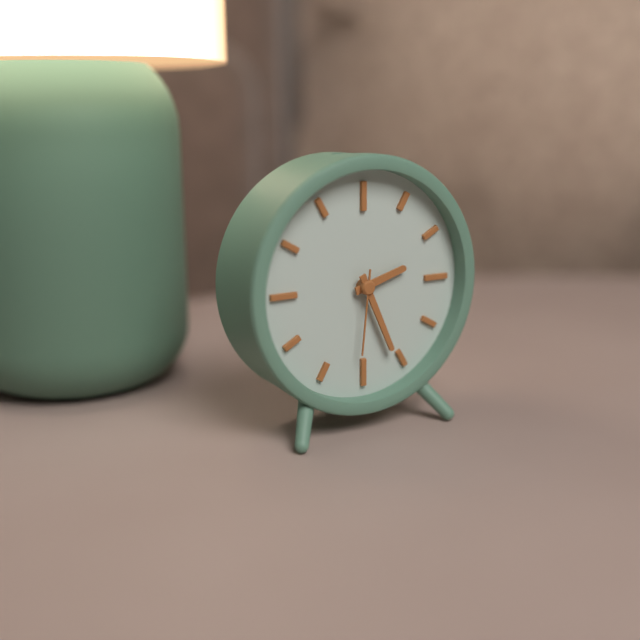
2 h 26 min 31 s
